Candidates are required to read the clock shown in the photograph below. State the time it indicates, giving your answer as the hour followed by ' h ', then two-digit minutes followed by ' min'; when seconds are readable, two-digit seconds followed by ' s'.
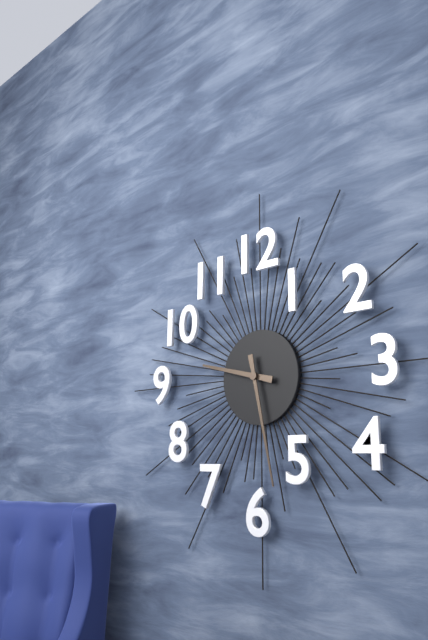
9 h 28 min
